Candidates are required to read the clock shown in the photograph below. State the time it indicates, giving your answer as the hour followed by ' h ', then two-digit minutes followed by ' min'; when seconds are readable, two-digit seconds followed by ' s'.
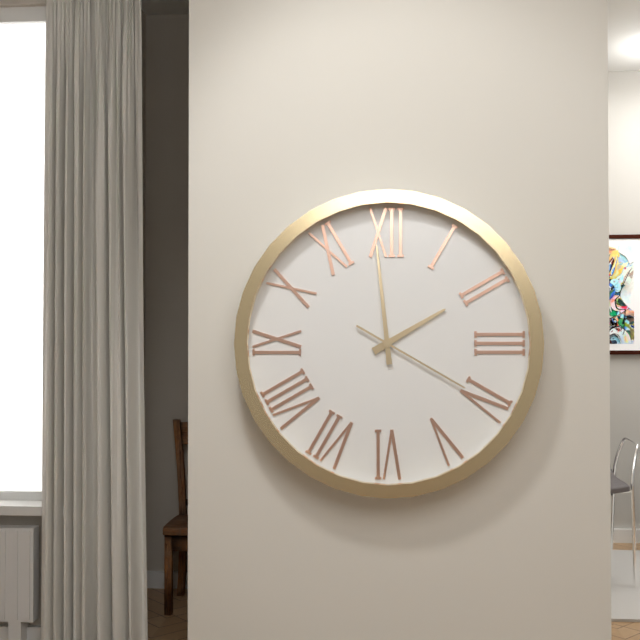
1 h 59 min 20 s
